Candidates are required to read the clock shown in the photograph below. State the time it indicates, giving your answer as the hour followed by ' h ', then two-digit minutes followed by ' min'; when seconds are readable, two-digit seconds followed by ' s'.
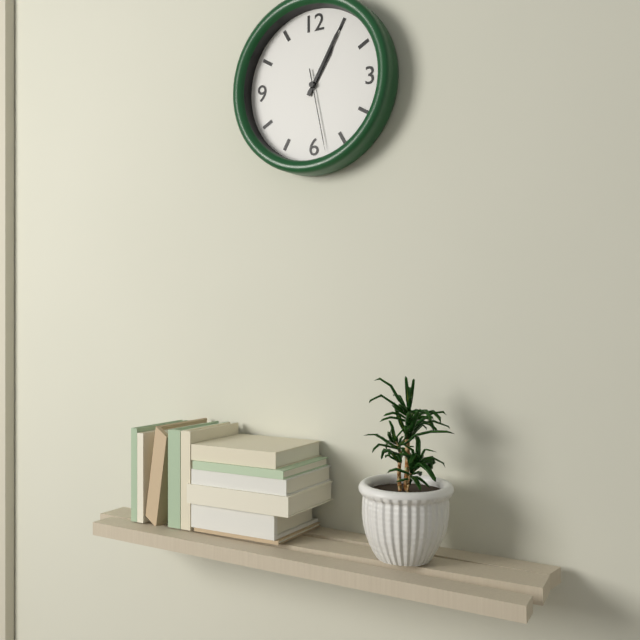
1 h 05 min 28 s
